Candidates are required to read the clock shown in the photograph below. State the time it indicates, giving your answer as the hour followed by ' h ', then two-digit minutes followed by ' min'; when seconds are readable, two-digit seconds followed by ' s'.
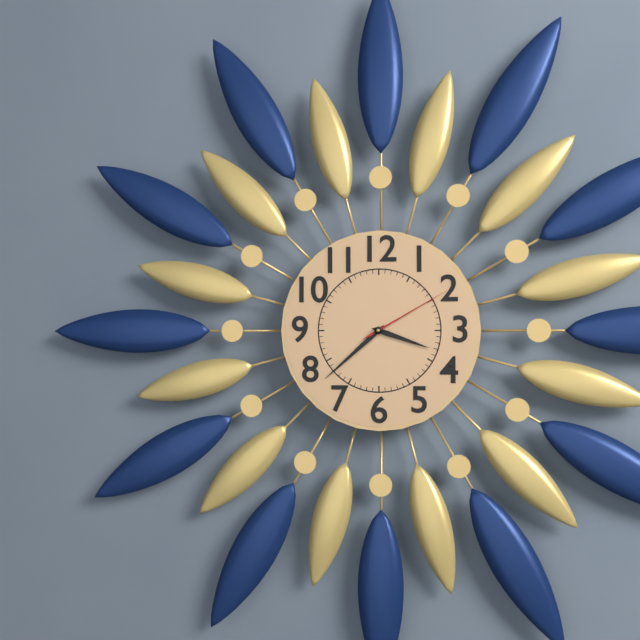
3 h 38 min 10 s
